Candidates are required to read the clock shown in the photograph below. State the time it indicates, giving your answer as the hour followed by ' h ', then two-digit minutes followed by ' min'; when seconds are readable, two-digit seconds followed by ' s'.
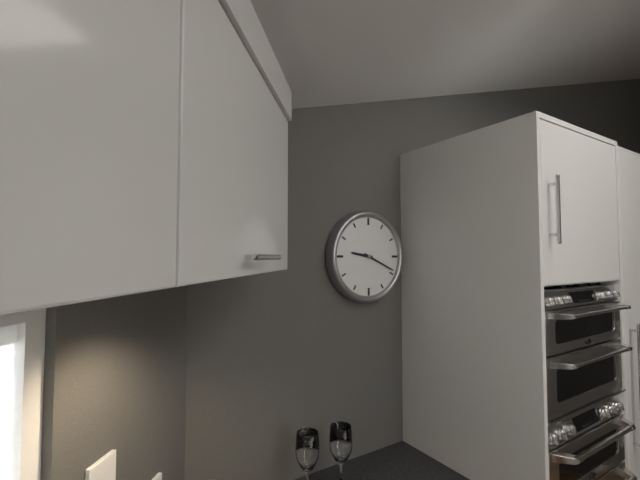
9 h 19 min
